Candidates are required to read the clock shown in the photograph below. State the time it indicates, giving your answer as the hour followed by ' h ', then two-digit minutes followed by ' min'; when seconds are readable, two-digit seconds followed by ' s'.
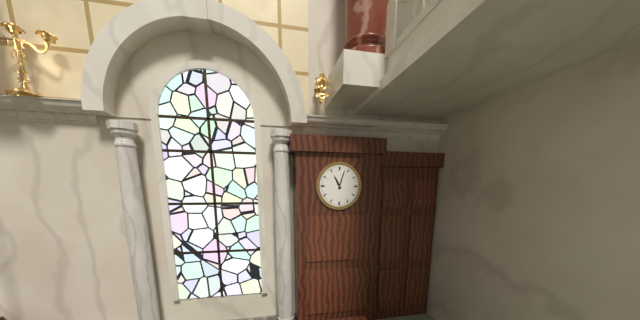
11 h 03 min
